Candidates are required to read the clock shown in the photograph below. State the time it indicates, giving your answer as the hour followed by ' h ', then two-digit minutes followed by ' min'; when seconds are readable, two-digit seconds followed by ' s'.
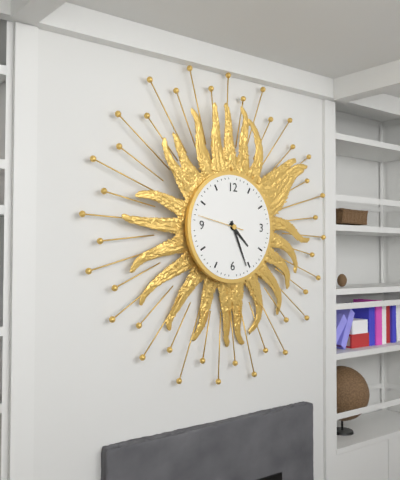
4 h 26 min
